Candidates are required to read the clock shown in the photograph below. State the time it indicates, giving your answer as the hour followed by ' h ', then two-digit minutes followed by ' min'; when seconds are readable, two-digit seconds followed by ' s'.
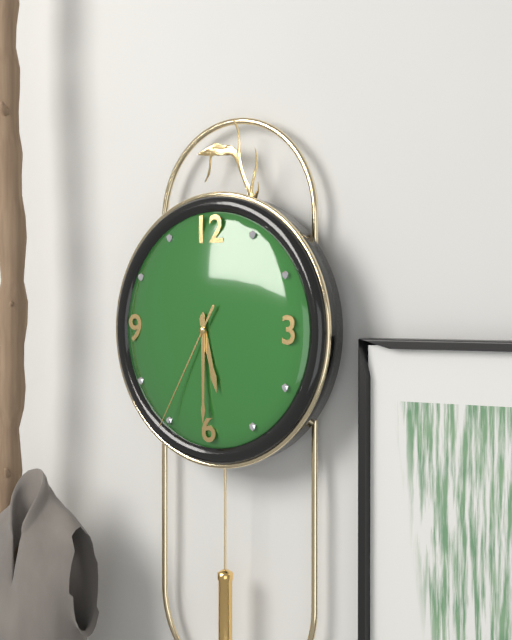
5 h 30 min 35 s
